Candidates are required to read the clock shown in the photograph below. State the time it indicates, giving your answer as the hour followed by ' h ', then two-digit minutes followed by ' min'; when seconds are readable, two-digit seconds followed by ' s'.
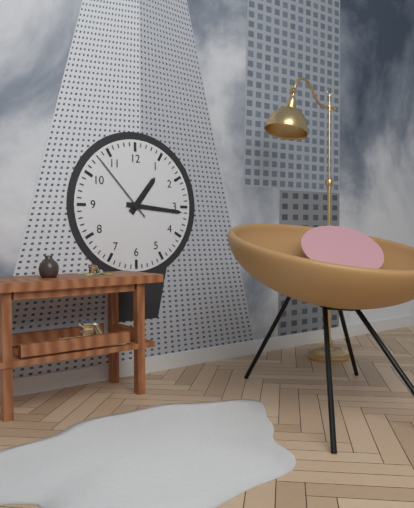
1 h 16 min 53 s
